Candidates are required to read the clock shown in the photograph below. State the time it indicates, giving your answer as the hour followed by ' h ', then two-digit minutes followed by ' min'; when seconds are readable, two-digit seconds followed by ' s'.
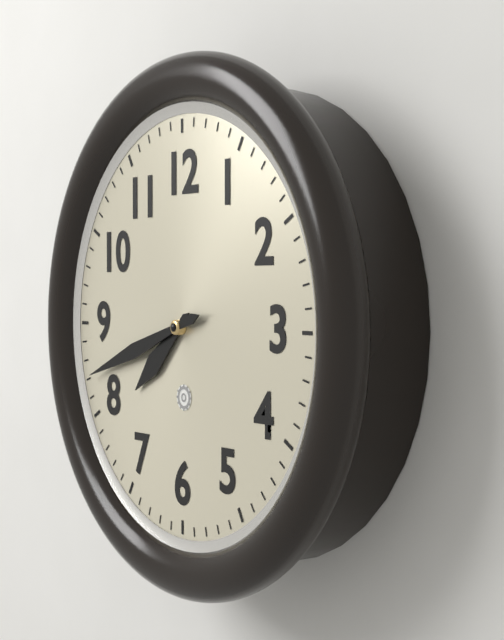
7 h 42 min
